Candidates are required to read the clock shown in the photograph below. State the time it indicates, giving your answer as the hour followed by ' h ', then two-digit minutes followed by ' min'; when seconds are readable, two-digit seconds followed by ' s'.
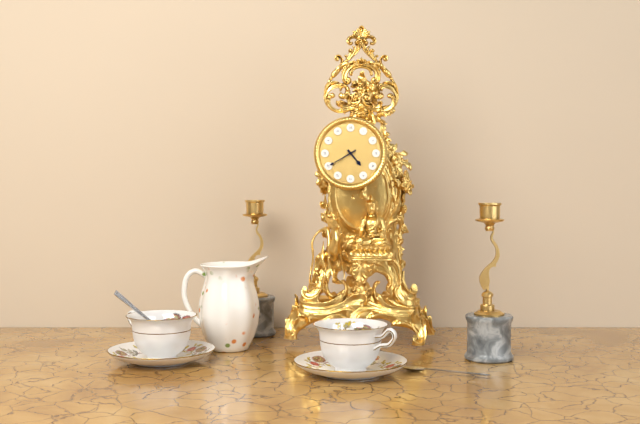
4 h 40 min
